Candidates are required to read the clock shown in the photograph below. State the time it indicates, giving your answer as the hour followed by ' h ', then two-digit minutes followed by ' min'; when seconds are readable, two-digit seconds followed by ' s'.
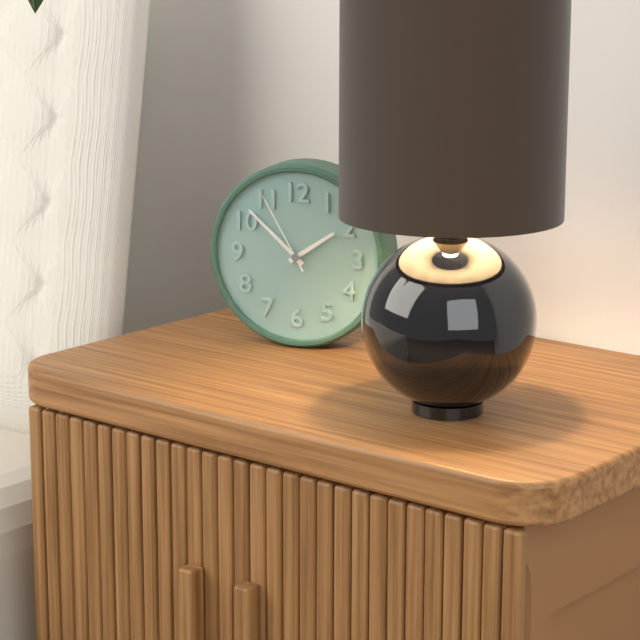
1 h 52 min 55 s
